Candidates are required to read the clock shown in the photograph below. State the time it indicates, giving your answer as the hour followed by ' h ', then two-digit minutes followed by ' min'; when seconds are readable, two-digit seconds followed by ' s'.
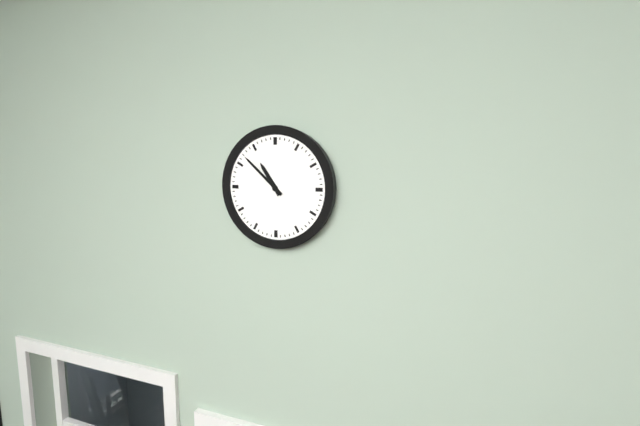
10 h 52 min
